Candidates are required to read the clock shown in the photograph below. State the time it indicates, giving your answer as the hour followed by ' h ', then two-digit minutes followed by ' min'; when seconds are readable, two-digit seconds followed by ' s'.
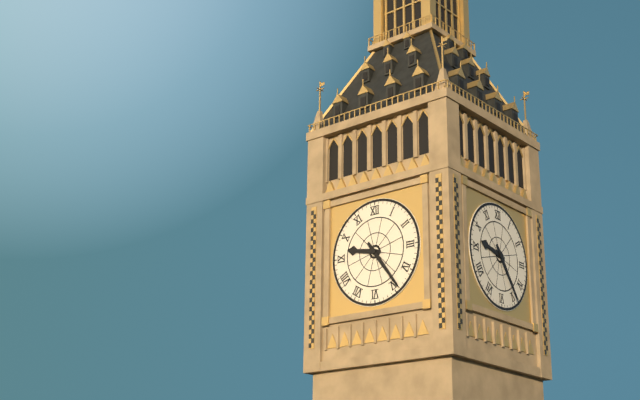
9 h 24 min
